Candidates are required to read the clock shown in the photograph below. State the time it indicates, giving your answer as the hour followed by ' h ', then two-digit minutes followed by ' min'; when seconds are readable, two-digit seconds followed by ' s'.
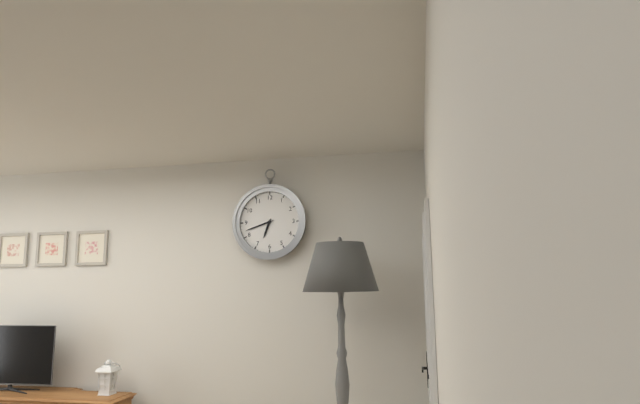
6 h 42 min
